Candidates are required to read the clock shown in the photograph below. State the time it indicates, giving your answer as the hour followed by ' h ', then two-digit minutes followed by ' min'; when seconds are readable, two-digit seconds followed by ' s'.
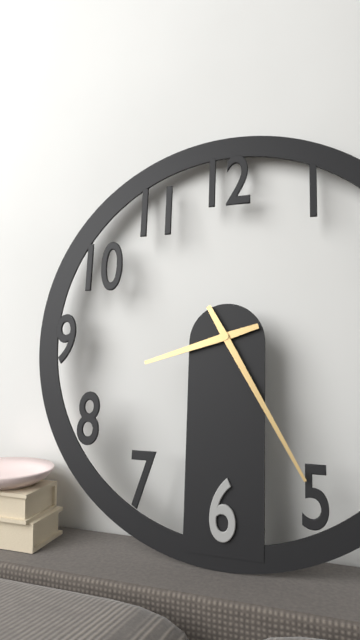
8 h 25 min
